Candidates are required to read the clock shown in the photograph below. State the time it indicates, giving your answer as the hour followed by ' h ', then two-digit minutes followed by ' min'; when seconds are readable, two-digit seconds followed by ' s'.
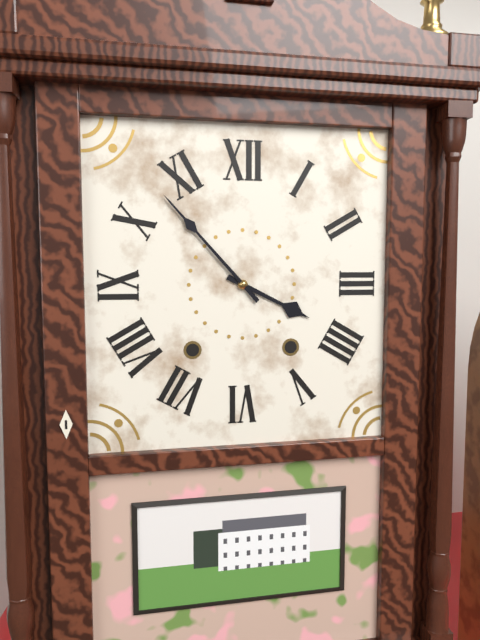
3 h 53 min
